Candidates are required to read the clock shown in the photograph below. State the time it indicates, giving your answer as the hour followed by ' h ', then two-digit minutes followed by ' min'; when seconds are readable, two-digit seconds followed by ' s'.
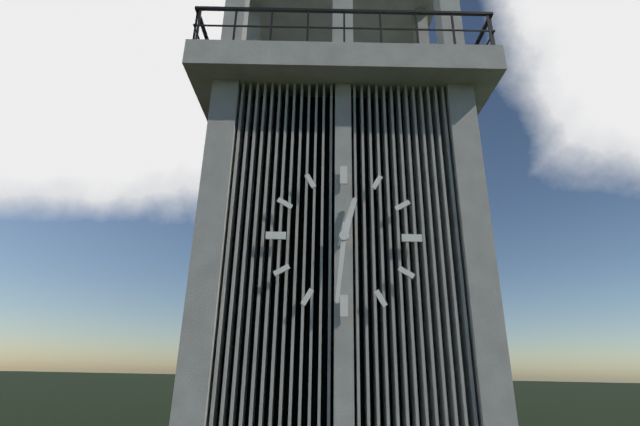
12 h 31 min
